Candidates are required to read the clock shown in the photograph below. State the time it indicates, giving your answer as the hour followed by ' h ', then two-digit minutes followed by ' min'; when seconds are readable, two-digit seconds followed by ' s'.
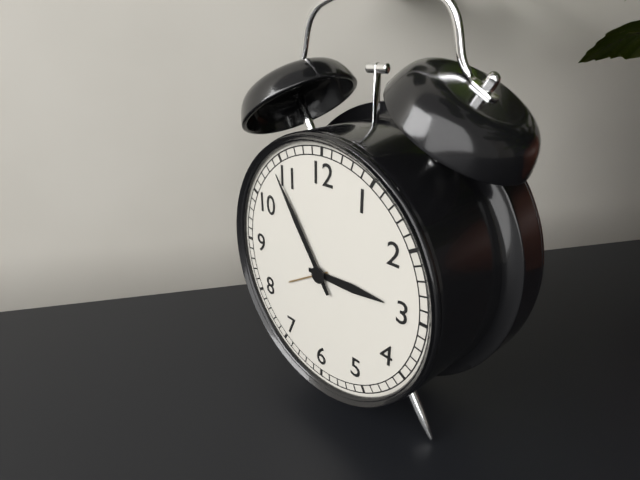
2 h 54 min
